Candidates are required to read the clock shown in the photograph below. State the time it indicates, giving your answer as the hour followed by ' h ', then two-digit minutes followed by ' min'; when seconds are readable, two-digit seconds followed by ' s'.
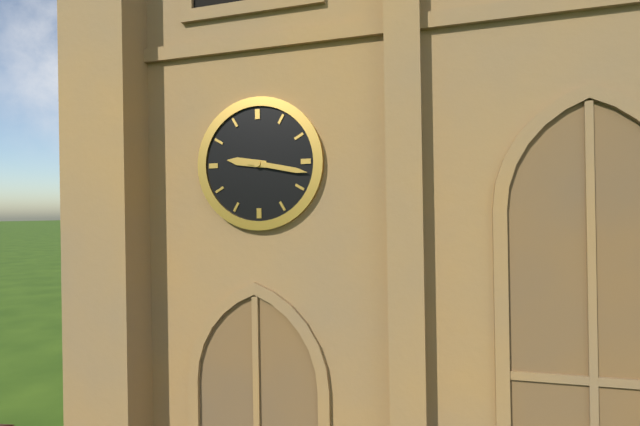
9 h 17 min
